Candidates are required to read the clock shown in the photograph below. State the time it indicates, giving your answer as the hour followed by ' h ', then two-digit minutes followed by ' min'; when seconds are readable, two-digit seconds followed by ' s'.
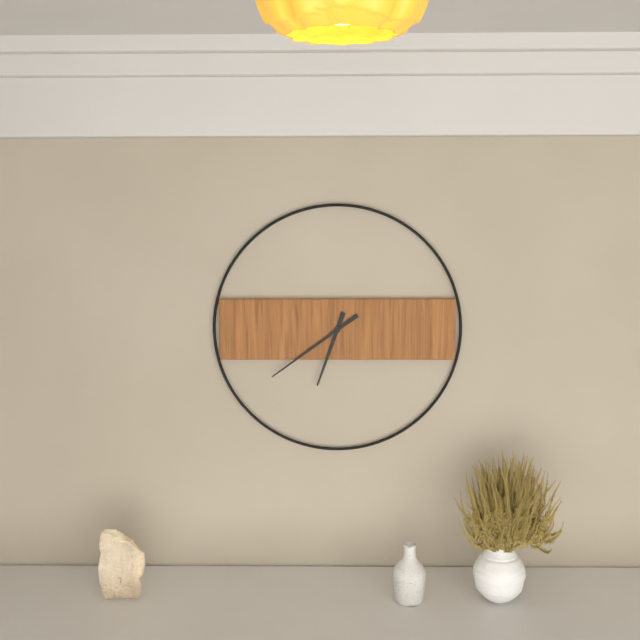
6 h 39 min
